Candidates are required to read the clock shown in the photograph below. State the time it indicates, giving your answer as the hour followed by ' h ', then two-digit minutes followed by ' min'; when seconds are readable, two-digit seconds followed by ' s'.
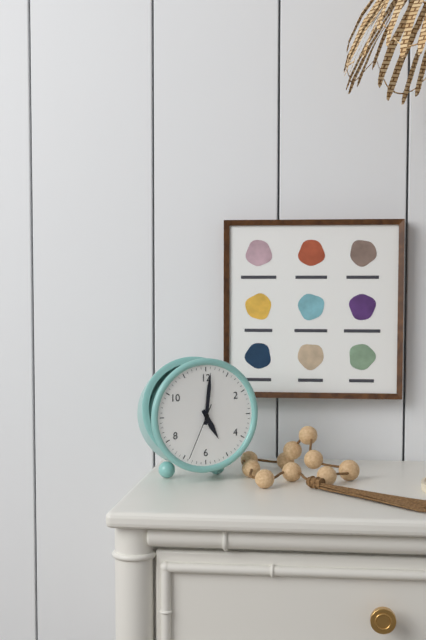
5 h 01 min 34 s
